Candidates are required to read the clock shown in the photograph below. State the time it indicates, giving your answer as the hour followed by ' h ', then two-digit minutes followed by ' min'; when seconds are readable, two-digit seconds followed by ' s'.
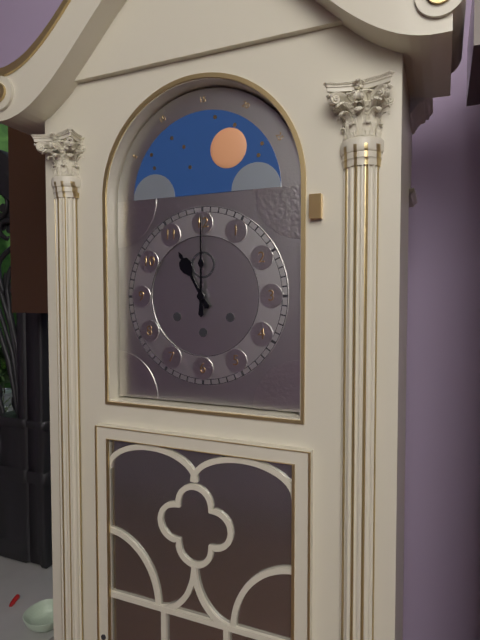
11 h 00 min
